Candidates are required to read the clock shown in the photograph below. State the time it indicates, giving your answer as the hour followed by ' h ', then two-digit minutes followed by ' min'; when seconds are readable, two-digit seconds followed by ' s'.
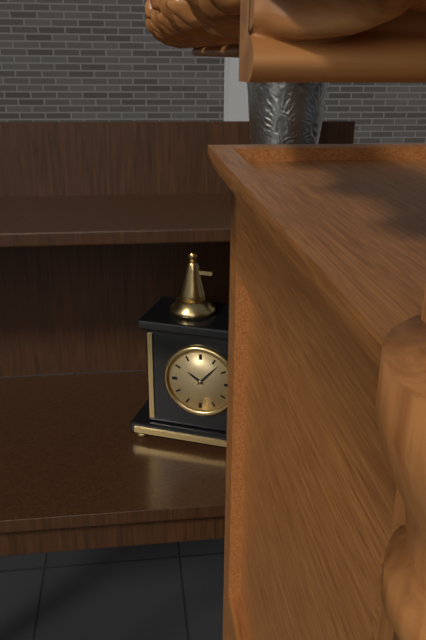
10 h 07 min
